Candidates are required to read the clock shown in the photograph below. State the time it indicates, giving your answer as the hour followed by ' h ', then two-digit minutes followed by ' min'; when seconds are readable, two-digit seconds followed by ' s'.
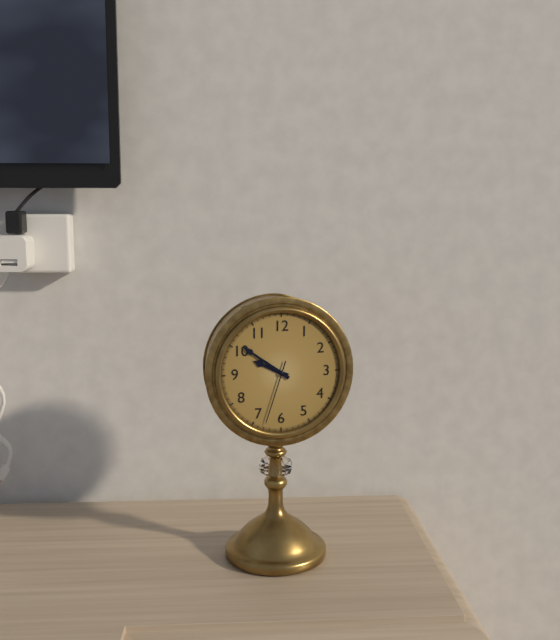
9 h 51 min 33 s
